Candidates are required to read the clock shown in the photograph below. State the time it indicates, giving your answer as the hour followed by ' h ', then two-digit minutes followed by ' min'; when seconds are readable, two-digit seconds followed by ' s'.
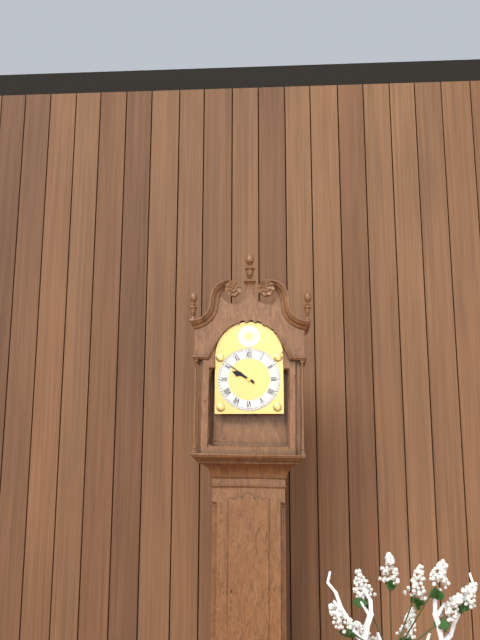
9 h 51 min
